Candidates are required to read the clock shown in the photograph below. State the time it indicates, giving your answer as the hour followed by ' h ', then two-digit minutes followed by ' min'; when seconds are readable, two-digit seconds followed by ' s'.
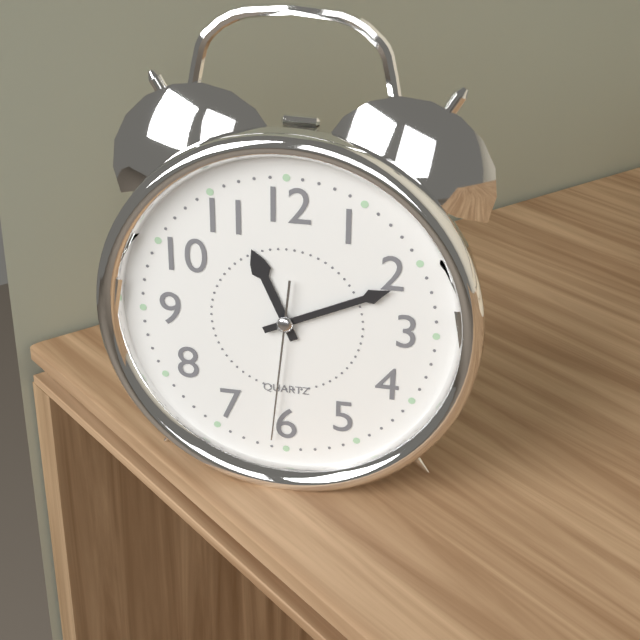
11 h 11 min 31 s
